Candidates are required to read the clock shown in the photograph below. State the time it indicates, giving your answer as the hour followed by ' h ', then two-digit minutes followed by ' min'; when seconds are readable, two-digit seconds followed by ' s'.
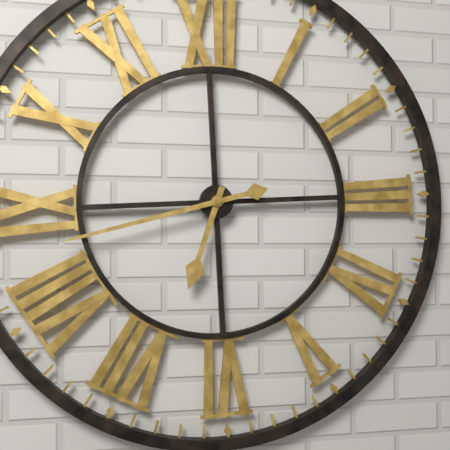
6 h 43 min
